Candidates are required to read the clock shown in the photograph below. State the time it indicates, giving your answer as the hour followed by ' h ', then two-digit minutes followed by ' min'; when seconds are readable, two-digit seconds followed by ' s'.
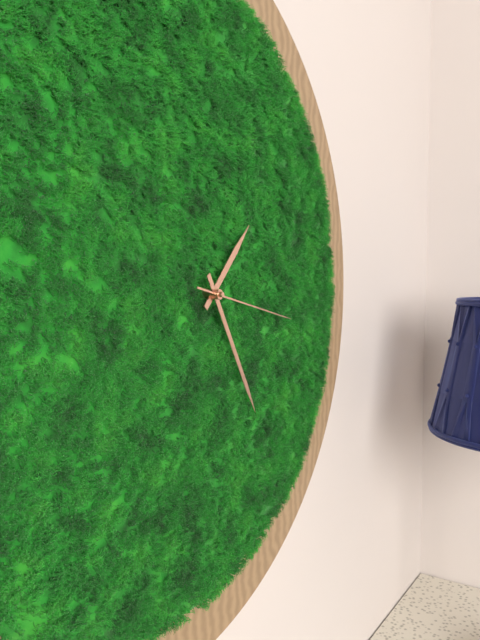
1 h 25 min 17 s
